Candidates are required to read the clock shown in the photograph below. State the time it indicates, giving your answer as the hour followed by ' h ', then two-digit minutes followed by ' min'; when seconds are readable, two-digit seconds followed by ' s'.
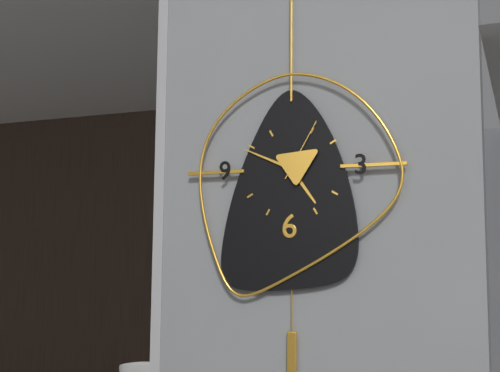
4 h 49 min 05 s
